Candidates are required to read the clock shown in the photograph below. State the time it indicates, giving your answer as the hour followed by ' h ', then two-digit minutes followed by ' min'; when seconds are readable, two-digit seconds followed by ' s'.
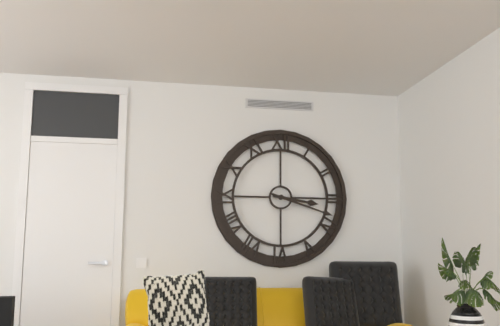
3 h 18 min
